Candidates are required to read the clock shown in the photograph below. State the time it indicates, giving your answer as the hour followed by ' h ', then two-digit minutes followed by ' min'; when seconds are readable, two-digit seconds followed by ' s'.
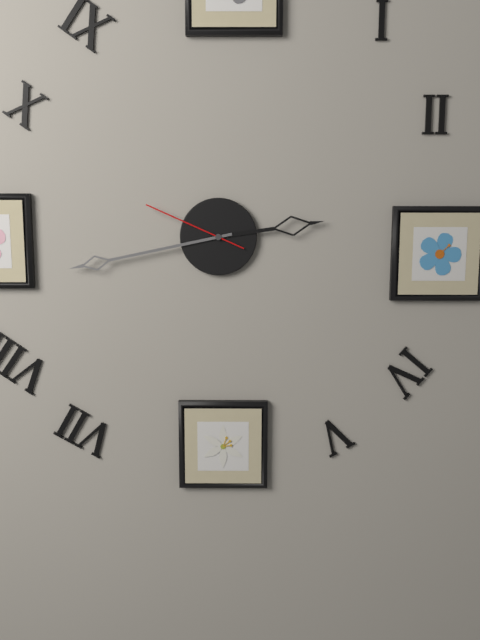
2 h 43 min 49 s
